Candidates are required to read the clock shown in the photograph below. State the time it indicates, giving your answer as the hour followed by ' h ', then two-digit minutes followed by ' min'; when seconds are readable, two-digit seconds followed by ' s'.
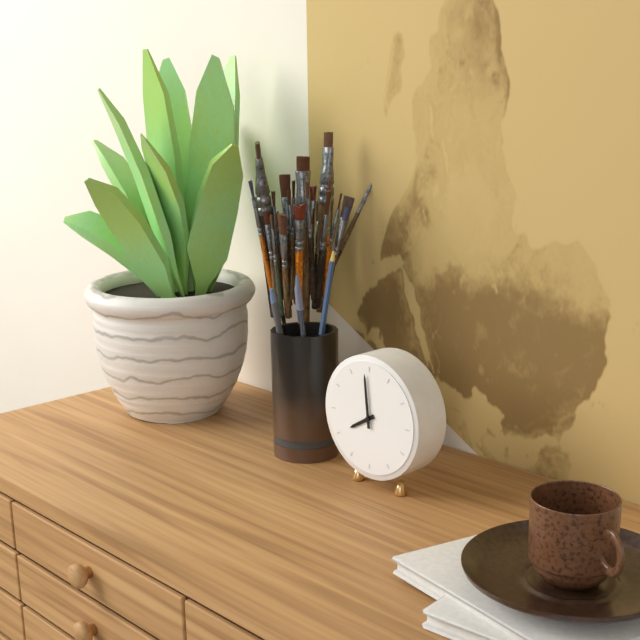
7 h 59 min
